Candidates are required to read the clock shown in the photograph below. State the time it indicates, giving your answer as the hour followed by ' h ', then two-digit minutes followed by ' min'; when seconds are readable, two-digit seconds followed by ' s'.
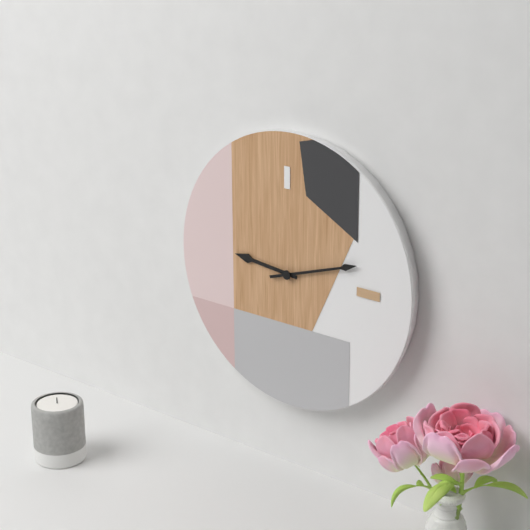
9 h 12 min
